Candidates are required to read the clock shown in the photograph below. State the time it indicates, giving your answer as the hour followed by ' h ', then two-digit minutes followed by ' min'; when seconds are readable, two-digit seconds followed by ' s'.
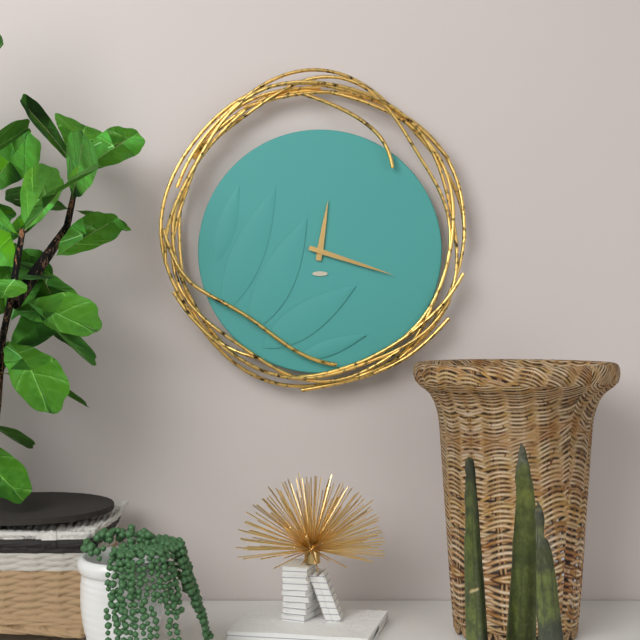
12 h 18 min
